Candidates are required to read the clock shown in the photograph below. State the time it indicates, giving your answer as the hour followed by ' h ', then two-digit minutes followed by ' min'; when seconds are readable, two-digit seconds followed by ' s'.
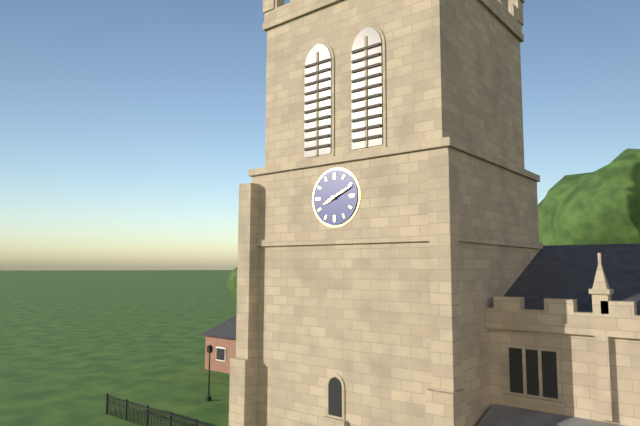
8 h 11 min
